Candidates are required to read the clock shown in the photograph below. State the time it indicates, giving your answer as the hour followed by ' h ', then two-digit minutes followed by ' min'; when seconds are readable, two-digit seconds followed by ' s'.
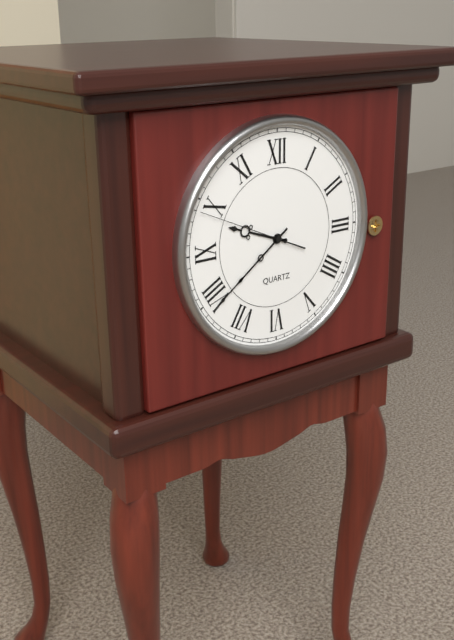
9 h 39 min 49 s
